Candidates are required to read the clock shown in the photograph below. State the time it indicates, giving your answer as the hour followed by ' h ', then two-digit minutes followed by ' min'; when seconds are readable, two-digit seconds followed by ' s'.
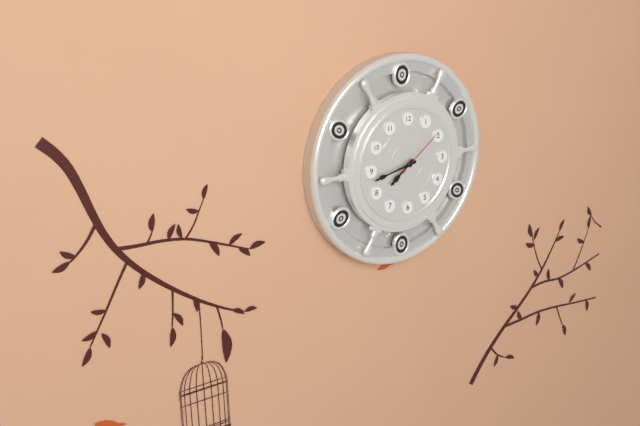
7 h 43 min 09 s
